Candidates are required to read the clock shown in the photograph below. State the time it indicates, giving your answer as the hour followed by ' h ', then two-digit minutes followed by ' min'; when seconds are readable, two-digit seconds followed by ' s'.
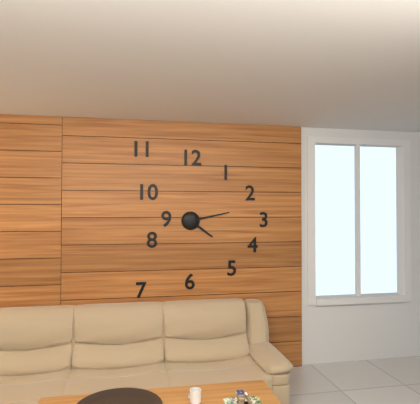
4 h 13 min
